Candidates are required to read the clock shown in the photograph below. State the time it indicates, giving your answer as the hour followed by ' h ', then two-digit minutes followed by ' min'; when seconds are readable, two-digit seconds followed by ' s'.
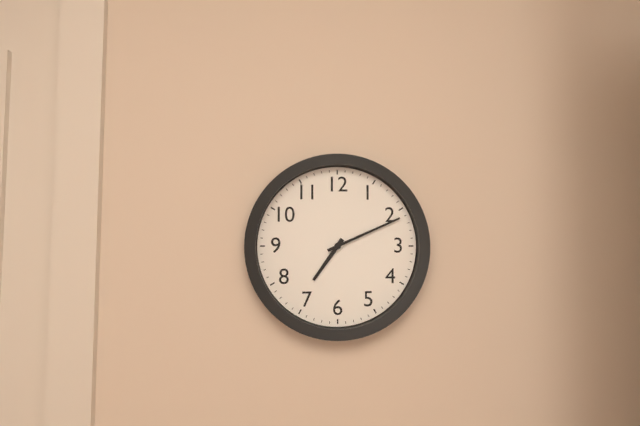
7 h 11 min
